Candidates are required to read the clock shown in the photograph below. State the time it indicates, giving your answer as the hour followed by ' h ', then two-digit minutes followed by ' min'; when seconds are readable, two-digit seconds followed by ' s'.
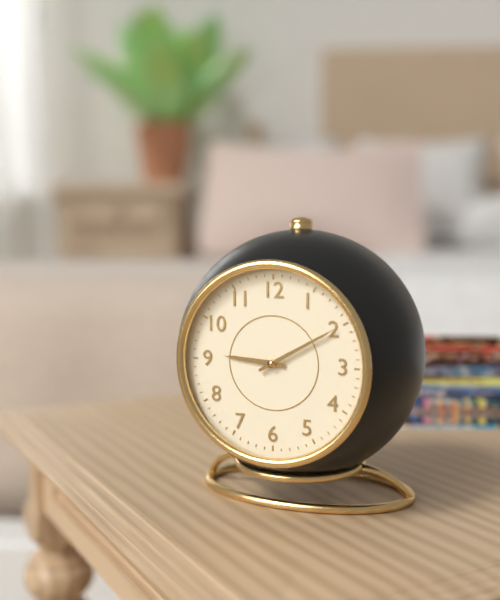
9 h 10 min
